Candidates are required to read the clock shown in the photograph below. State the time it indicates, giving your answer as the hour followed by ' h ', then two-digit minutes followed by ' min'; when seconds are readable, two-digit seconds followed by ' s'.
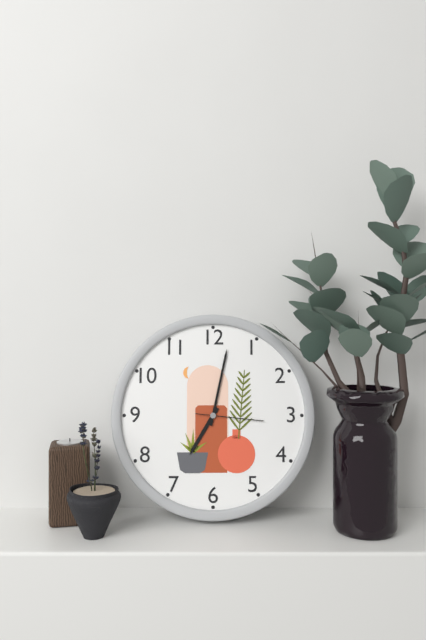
7 h 02 min 16 s
